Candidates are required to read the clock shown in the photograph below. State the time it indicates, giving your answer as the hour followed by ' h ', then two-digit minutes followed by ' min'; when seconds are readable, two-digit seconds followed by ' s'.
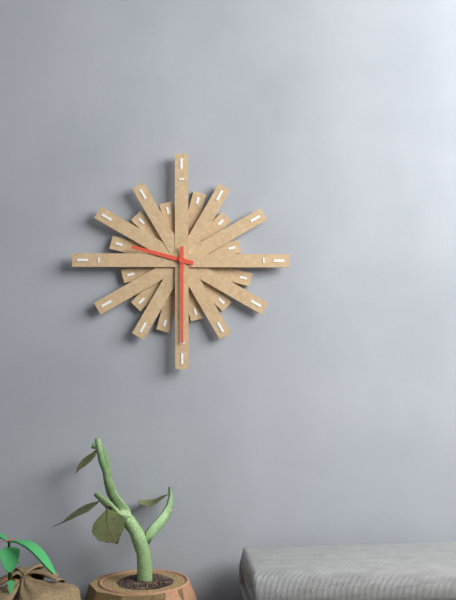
9 h 30 min
